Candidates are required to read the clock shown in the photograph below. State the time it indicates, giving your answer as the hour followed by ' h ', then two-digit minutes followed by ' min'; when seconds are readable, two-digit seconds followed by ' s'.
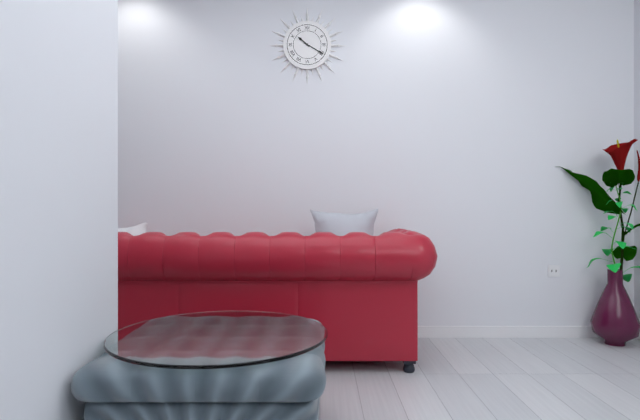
10 h 20 min
